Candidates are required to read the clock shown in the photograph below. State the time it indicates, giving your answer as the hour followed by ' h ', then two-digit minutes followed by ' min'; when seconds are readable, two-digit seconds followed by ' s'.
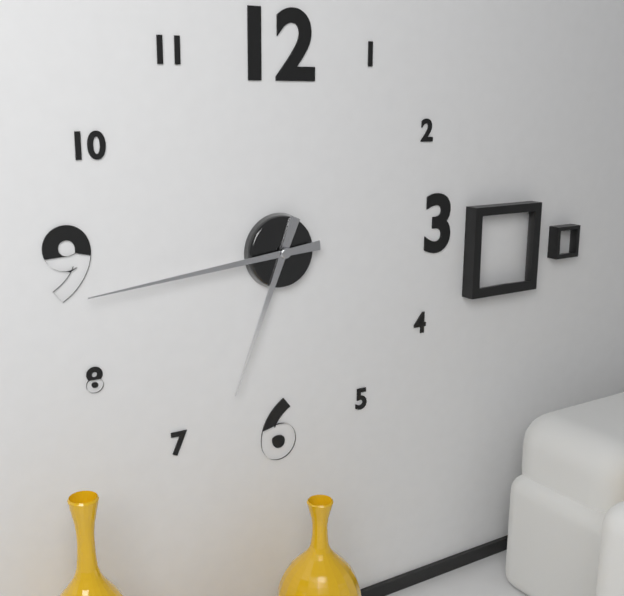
6 h 44 min
